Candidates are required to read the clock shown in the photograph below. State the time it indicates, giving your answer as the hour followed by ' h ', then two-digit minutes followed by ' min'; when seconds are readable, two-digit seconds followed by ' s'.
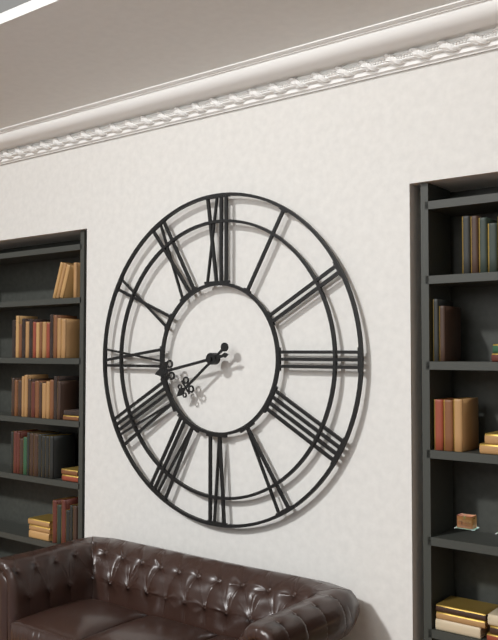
7 h 43 min
